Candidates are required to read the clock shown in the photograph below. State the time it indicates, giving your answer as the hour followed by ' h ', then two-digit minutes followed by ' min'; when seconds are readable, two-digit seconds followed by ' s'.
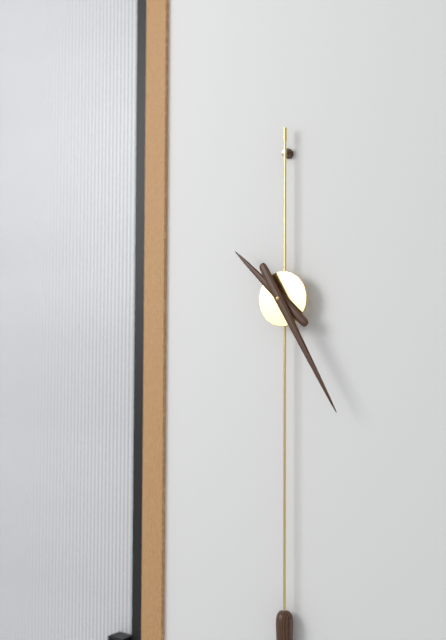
10 h 25 min
